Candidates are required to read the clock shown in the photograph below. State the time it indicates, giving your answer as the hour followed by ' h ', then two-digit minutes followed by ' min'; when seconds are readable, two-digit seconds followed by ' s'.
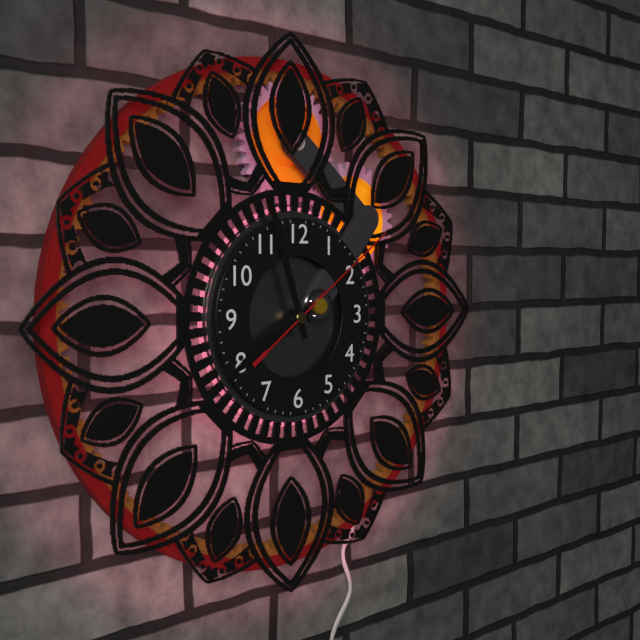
7 h 57 min 09 s
